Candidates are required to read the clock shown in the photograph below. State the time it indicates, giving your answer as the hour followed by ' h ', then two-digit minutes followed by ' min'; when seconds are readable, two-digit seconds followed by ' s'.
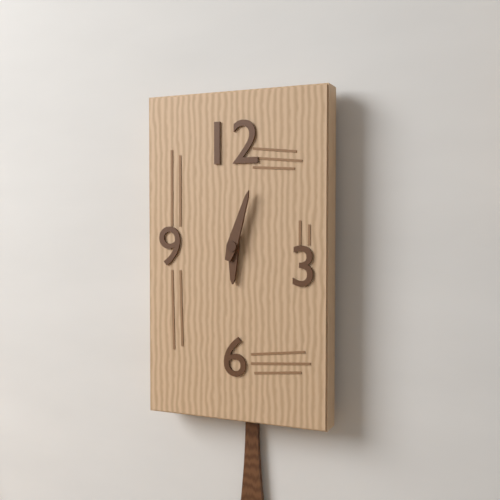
6 h 03 min
